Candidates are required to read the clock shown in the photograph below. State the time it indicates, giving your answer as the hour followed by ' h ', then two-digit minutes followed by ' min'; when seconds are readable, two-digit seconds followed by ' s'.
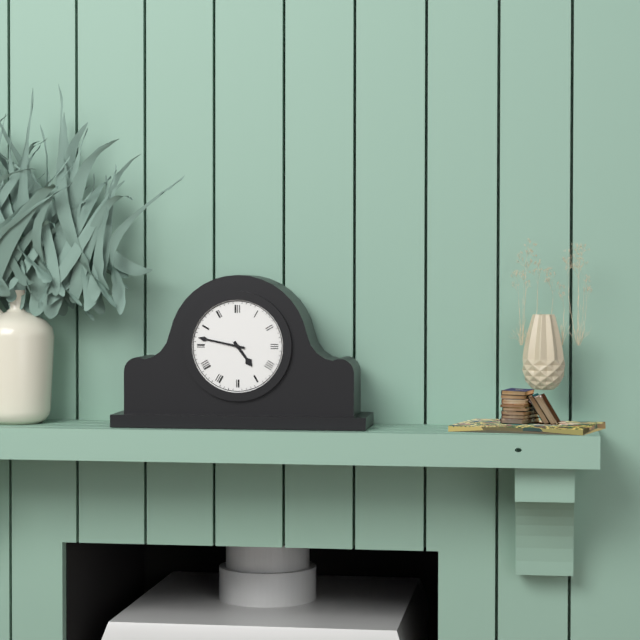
4 h 47 min
